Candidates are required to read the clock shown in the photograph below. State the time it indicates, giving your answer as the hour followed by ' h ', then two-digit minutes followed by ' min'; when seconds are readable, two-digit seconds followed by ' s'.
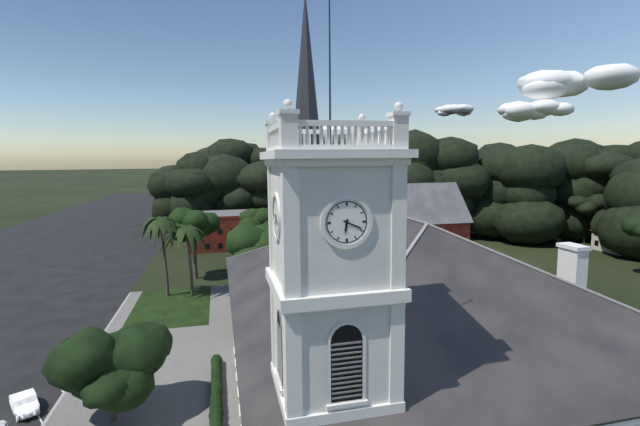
6 h 19 min
